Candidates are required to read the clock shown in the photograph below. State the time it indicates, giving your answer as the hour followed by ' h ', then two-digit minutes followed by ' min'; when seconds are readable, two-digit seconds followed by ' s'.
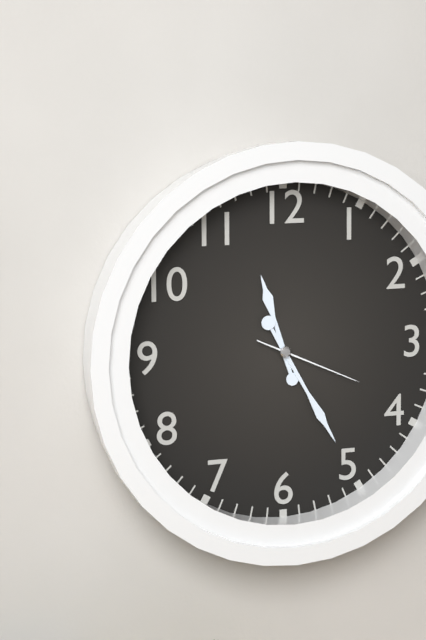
11 h 25 min 19 s
